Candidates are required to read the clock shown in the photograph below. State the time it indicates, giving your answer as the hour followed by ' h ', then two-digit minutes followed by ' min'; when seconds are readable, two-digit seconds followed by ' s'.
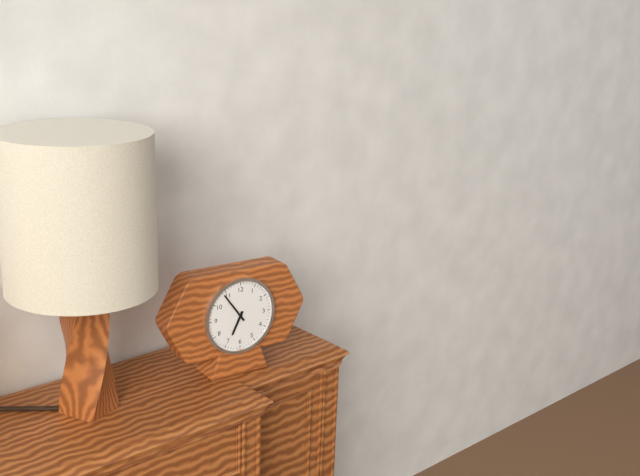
6 h 54 min
